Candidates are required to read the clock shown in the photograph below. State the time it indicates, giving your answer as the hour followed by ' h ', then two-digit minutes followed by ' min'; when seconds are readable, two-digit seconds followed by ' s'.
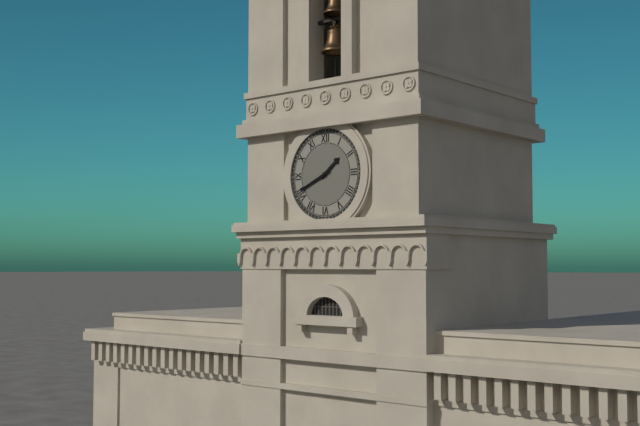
1 h 41 min
